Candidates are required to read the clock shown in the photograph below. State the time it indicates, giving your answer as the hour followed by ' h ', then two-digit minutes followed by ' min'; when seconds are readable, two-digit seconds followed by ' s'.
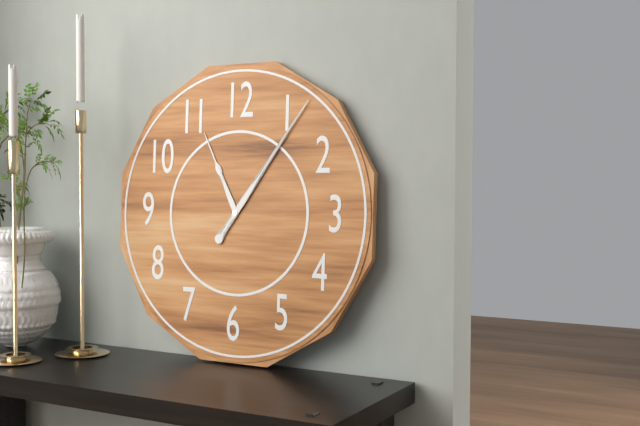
11 h 06 min
